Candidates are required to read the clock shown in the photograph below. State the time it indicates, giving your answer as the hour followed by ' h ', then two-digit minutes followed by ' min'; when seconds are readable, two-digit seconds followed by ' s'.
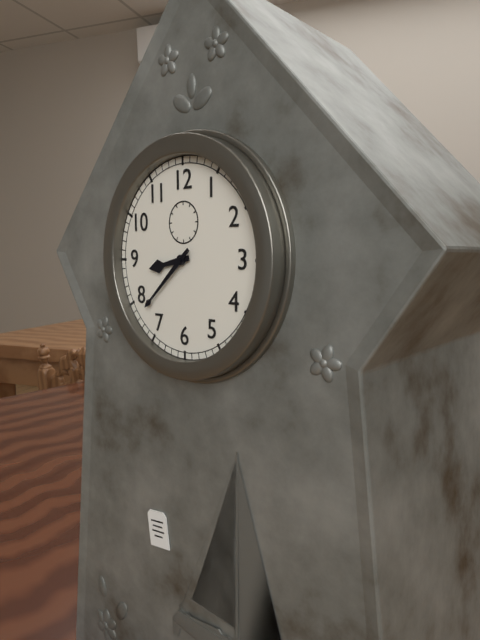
8 h 38 min
